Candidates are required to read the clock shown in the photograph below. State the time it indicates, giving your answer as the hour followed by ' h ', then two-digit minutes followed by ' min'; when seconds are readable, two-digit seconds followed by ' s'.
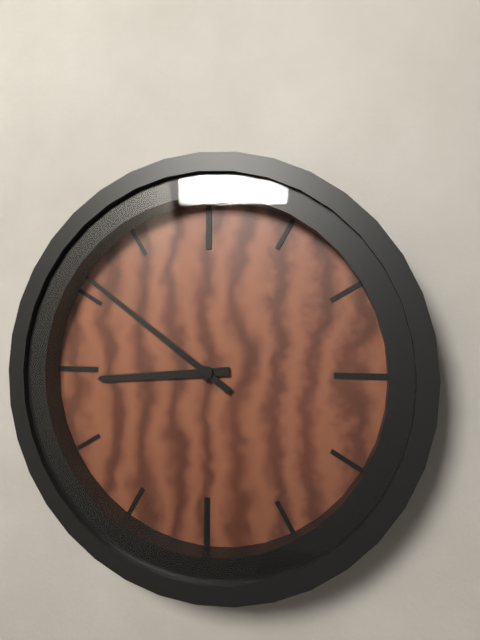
8 h 51 min
